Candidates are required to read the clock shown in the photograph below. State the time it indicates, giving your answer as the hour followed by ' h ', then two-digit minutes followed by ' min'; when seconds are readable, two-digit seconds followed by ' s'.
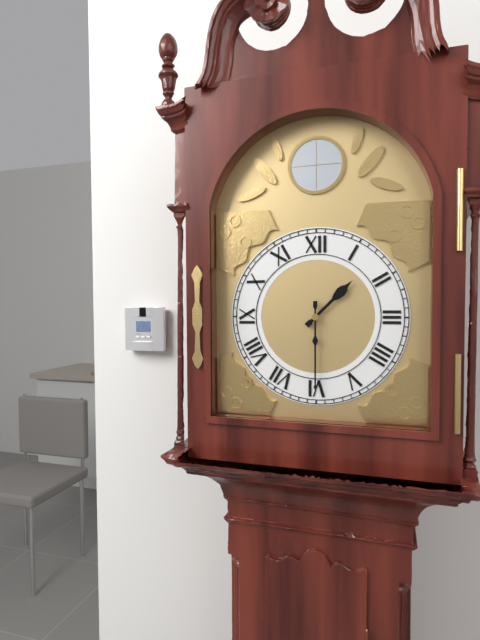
1 h 30 min
